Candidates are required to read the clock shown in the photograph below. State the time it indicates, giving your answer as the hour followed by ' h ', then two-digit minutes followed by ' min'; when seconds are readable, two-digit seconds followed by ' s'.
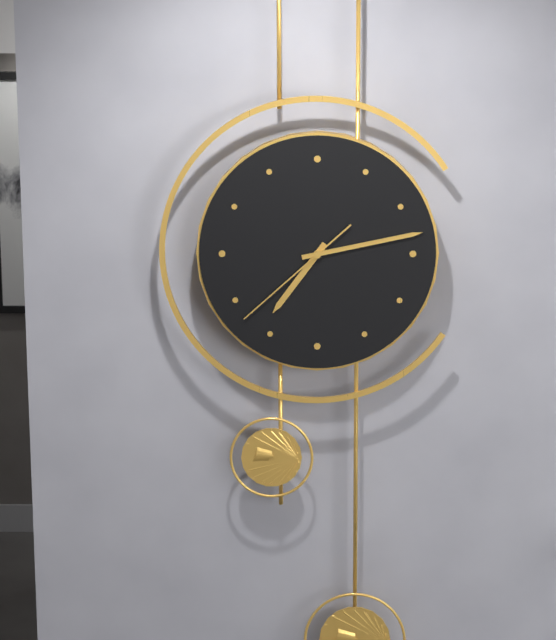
7 h 13 min 38 s
